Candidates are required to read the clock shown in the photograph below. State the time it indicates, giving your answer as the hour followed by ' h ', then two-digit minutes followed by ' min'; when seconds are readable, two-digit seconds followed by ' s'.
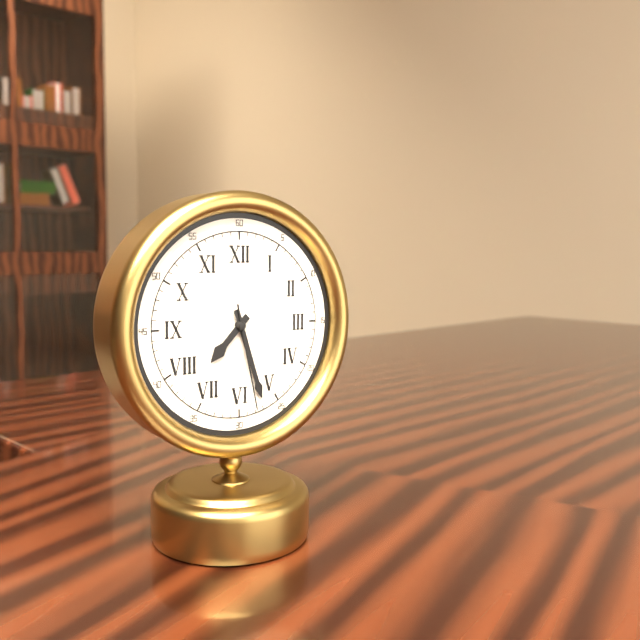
7 h 27 min 28 s
